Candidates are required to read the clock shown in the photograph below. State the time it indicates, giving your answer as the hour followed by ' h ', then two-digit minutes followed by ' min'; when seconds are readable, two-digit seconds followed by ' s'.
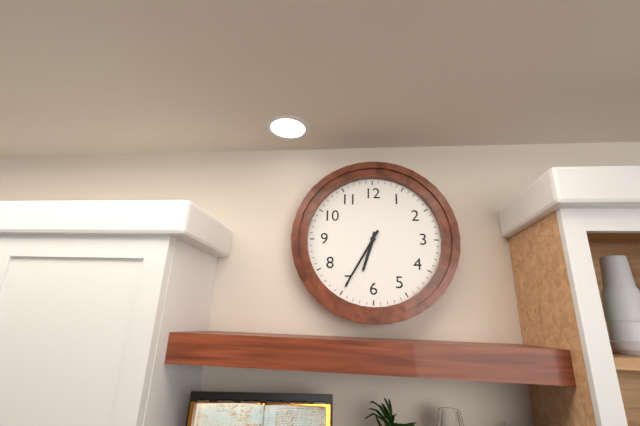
6 h 35 min
